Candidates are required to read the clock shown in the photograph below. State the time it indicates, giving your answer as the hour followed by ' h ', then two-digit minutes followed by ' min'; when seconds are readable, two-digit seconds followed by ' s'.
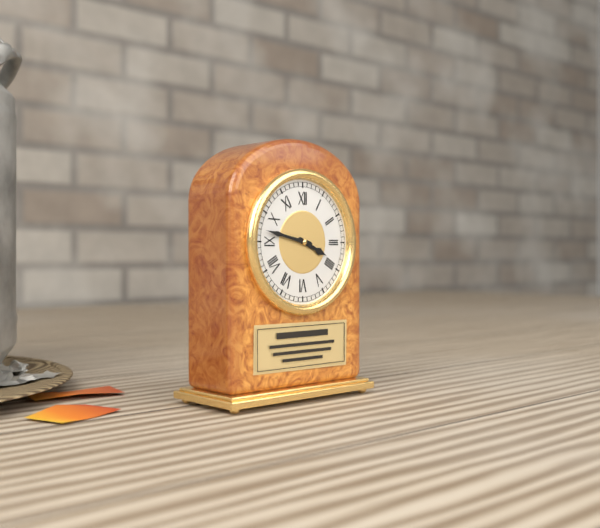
3 h 47 min
